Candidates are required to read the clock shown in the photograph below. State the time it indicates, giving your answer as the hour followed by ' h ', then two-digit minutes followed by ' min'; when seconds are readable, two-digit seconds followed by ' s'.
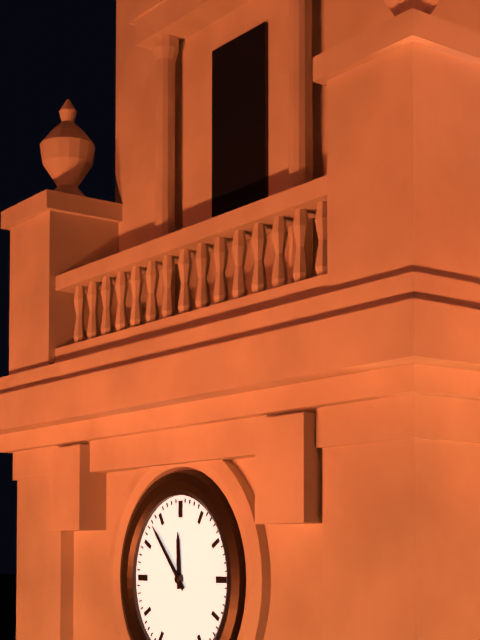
11 h 53 min
